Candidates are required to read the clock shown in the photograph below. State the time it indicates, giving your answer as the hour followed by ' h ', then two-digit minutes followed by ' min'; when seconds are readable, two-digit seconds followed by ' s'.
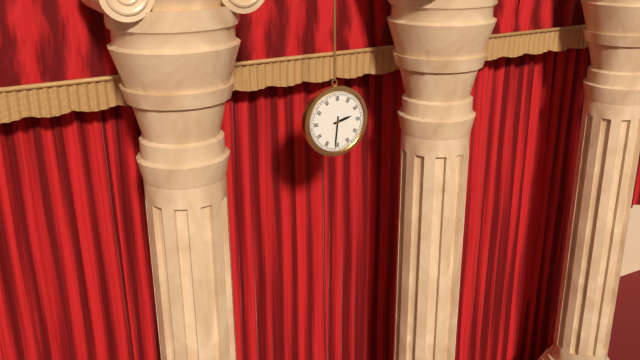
2 h 31 min
